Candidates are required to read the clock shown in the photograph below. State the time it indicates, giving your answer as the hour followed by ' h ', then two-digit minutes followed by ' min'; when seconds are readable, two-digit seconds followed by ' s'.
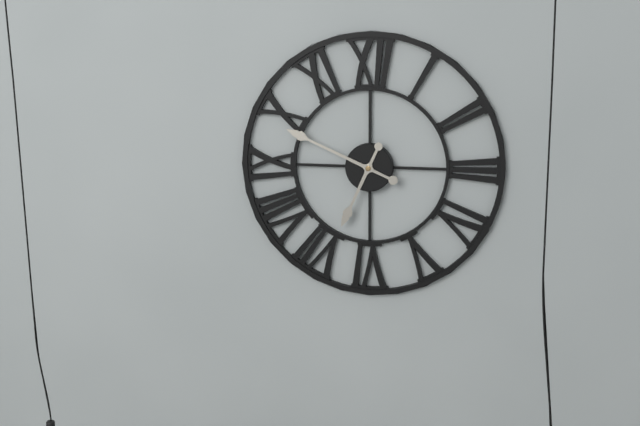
6 h 49 min
